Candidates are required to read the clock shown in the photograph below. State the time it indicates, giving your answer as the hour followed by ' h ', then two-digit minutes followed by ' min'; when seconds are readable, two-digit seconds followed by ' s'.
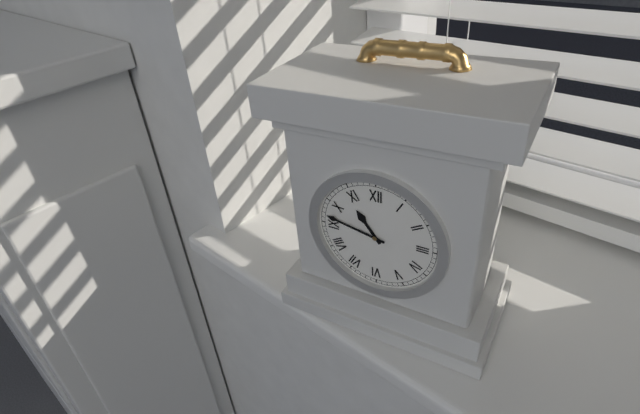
10 h 47 min
